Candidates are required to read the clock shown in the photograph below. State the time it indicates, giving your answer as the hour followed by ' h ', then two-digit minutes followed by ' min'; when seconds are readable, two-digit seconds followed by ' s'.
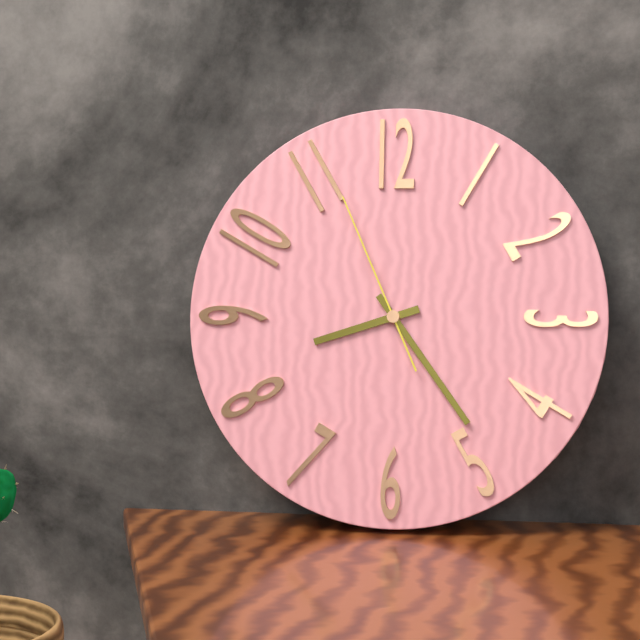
8 h 24 min 56 s
